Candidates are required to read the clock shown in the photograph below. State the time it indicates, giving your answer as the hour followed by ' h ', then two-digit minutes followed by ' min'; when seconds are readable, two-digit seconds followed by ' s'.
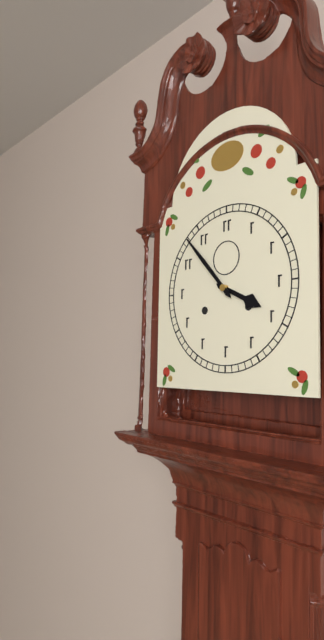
3 h 53 min
